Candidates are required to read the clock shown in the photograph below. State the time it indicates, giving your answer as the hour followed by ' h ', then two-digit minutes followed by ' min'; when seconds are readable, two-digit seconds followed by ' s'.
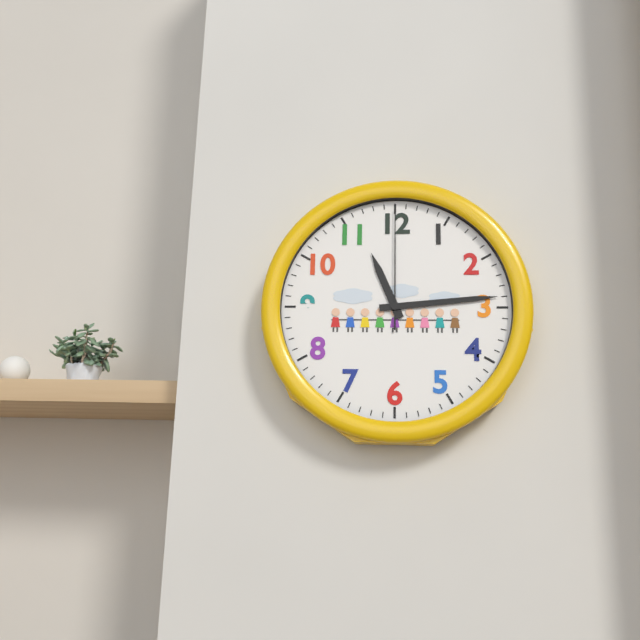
11 h 14 min 00 s
